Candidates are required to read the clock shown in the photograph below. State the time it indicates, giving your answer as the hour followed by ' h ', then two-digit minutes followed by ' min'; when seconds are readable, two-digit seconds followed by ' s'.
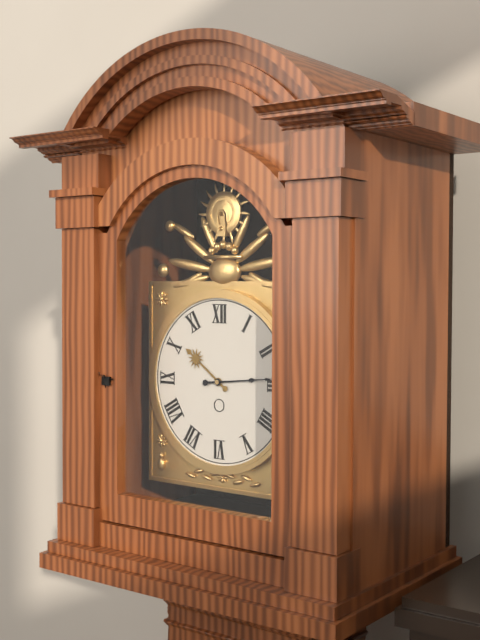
10 h 14 min
